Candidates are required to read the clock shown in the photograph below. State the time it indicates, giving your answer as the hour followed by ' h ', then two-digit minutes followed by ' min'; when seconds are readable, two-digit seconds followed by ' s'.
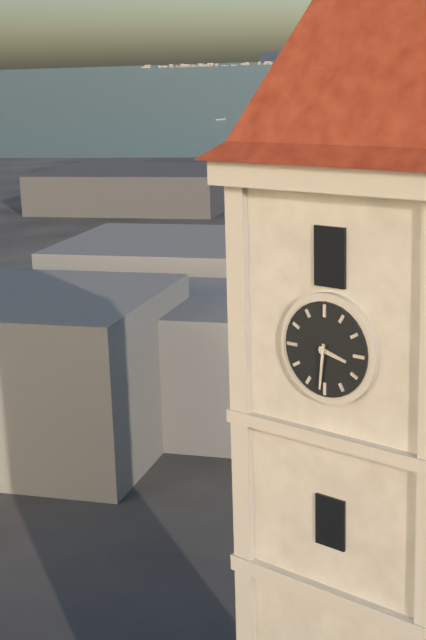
3 h 31 min
